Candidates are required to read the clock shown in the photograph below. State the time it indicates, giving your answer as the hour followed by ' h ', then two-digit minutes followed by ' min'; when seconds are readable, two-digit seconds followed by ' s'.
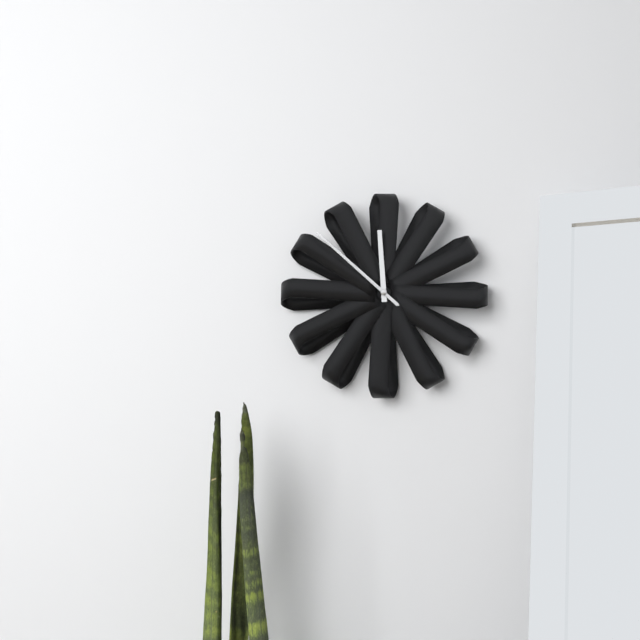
11 h 52 min 52 s
